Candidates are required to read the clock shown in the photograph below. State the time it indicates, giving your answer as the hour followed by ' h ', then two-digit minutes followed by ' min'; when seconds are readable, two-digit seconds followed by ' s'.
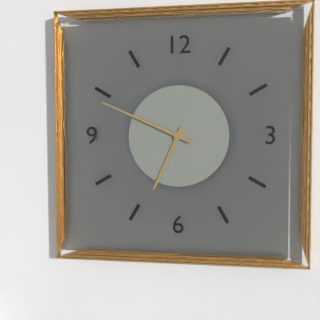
6 h 49 min
